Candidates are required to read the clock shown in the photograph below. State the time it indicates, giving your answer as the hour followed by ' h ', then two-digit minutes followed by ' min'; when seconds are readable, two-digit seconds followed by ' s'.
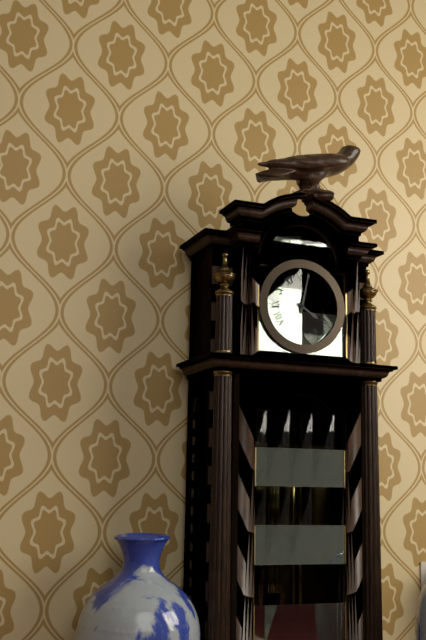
4 h 02 min
